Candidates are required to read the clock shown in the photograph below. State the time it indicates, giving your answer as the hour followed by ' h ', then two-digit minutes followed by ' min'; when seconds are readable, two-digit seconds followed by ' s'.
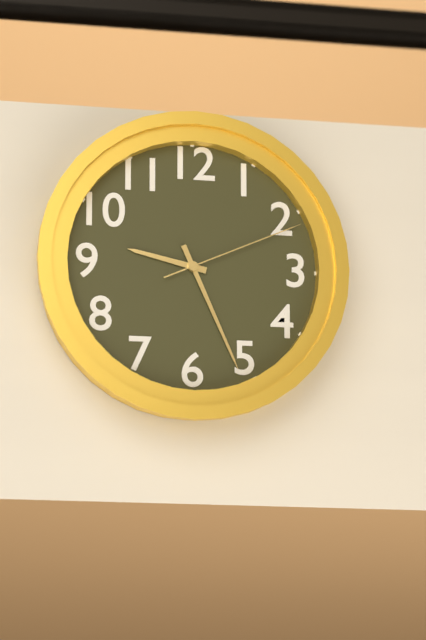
9 h 26 min 11 s
